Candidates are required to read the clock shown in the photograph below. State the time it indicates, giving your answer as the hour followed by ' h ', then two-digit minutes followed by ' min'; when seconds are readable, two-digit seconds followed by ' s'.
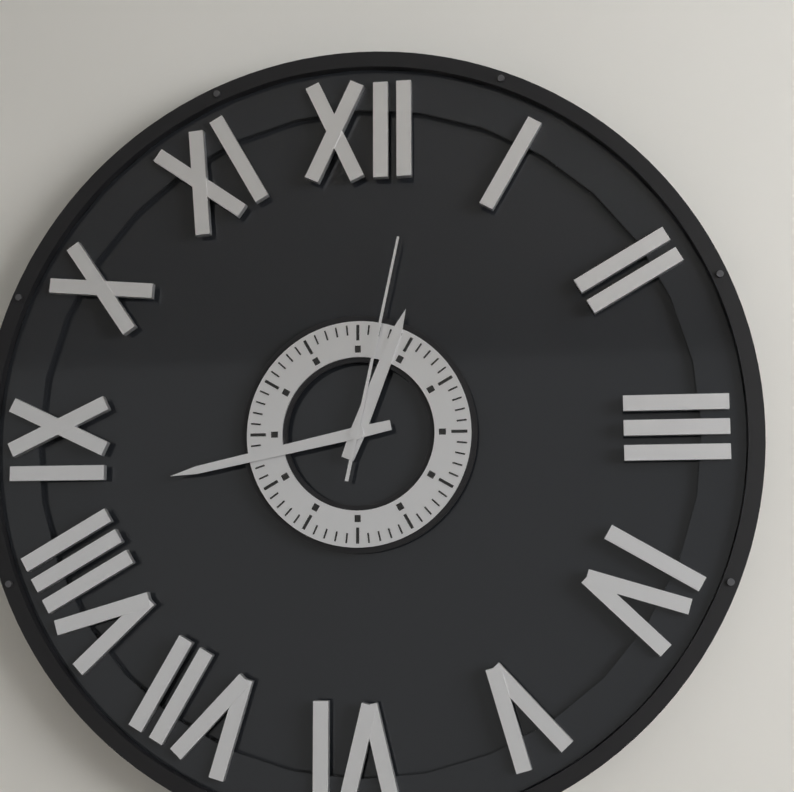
12 h 43 min 02 s
